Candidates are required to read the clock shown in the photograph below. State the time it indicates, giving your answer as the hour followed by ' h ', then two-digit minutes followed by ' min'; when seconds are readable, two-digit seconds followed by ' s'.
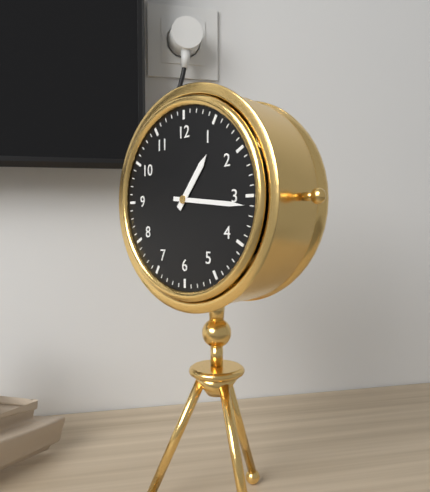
1 h 16 min
